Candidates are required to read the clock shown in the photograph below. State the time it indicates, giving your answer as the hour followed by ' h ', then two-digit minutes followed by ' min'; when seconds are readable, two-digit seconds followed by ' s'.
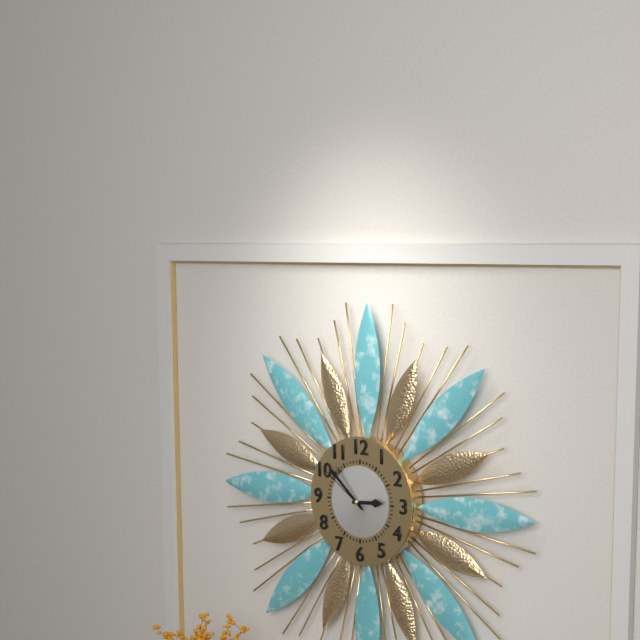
2 h 52 min 51 s
